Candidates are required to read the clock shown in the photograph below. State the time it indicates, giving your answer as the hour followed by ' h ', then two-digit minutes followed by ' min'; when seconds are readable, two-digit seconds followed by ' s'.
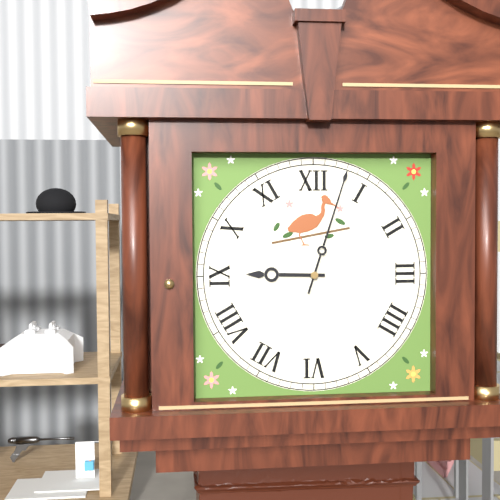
9 h 03 min
